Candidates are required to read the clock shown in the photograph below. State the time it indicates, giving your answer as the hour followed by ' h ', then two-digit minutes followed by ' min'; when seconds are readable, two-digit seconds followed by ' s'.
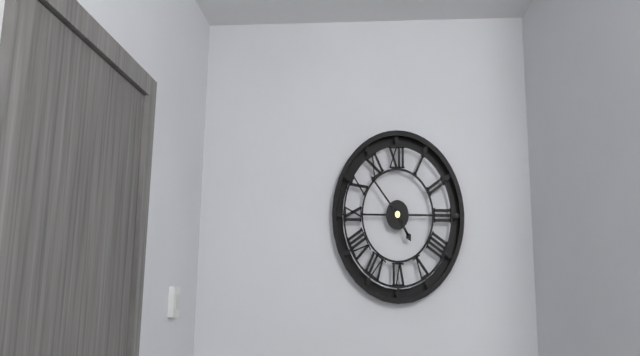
4 h 53 min
